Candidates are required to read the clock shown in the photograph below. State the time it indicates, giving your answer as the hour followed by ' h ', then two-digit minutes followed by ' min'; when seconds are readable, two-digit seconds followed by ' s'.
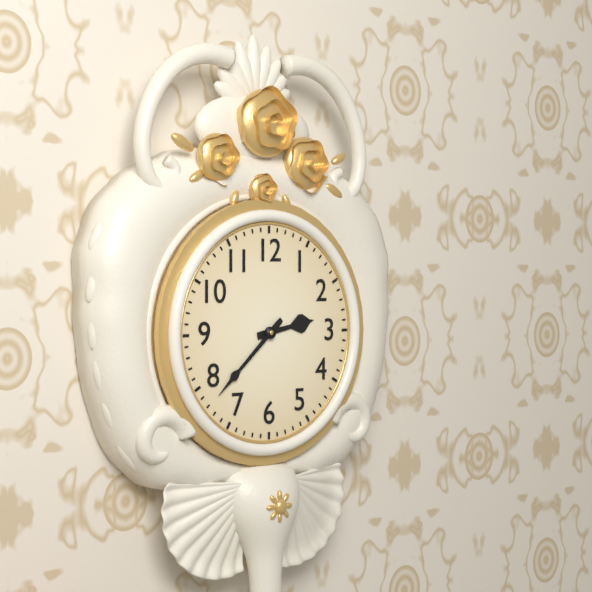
2 h 38 min
